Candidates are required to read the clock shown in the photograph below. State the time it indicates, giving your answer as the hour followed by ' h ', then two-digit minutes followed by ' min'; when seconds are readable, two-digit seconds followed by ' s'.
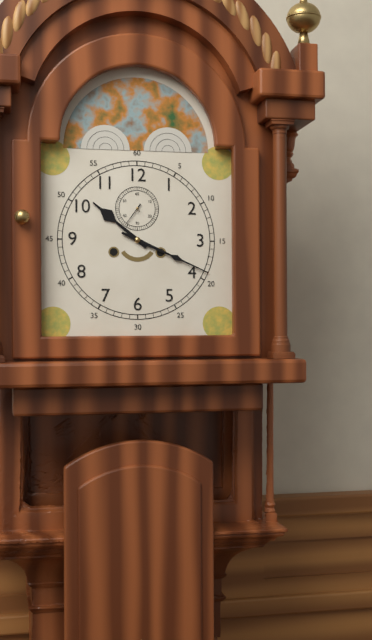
10 h 19 min
